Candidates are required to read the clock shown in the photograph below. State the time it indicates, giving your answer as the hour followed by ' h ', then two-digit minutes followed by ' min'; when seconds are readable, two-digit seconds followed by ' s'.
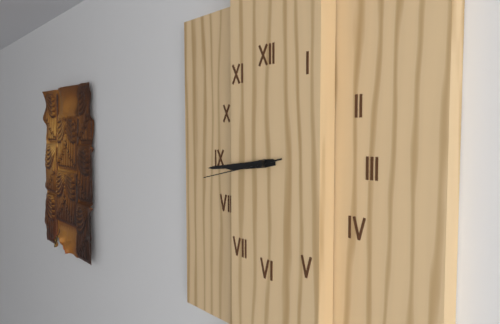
8 h 44 min 43 s
